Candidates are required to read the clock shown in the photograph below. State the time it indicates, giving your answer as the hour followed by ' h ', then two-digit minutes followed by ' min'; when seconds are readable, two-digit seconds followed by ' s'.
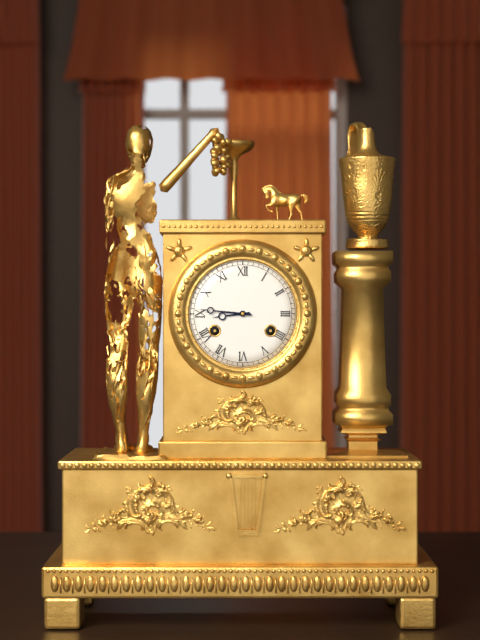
8 h 46 min
